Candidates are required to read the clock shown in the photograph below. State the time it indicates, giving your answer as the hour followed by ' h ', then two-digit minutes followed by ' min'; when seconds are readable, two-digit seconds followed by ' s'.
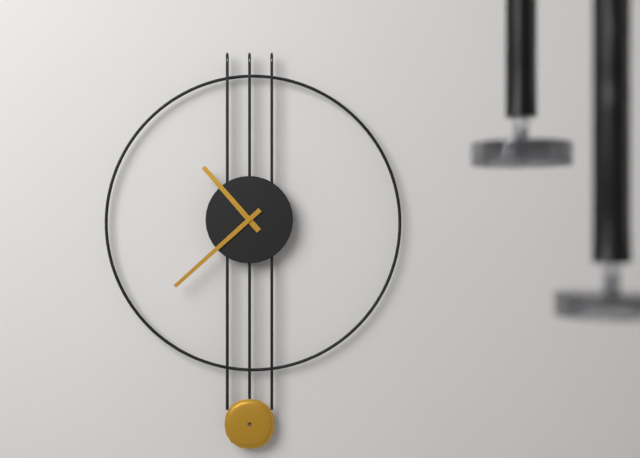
10 h 38 min
